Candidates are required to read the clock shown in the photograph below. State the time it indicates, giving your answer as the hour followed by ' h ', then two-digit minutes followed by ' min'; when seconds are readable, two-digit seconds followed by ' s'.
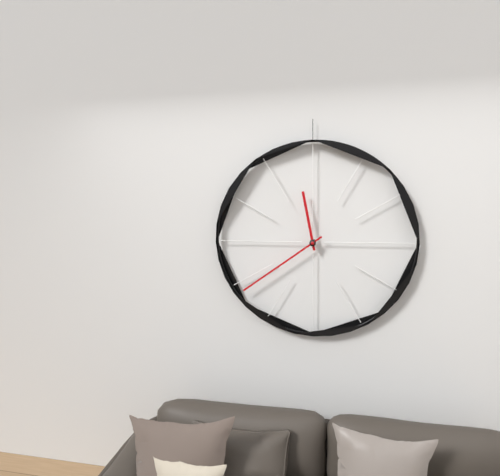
11 h 39 min
